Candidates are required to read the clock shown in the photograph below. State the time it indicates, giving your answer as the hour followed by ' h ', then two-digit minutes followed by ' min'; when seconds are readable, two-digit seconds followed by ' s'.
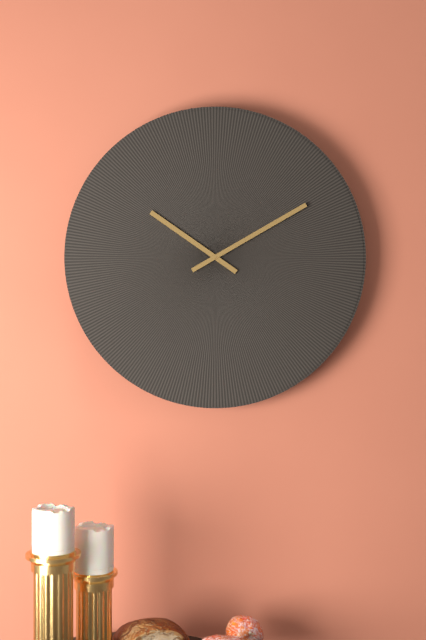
10 h 10 min
